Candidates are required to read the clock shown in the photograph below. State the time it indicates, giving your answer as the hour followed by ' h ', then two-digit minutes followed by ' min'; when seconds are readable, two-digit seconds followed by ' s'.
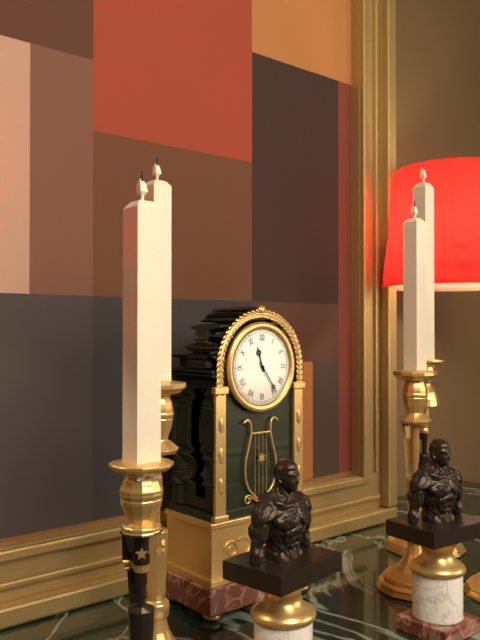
11 h 24 min
